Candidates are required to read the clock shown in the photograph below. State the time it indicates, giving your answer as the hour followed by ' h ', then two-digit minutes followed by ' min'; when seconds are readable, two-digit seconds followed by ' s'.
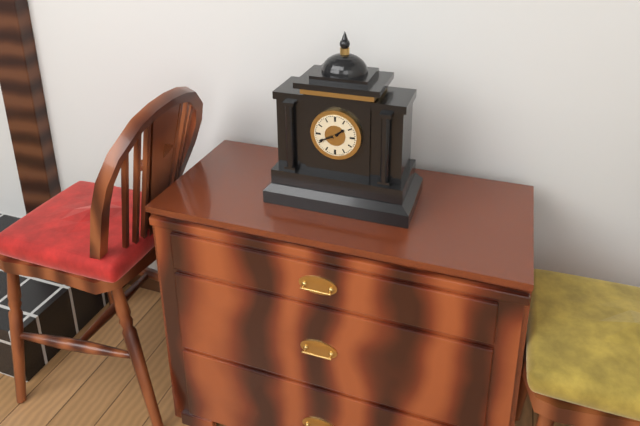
1 h 41 min
